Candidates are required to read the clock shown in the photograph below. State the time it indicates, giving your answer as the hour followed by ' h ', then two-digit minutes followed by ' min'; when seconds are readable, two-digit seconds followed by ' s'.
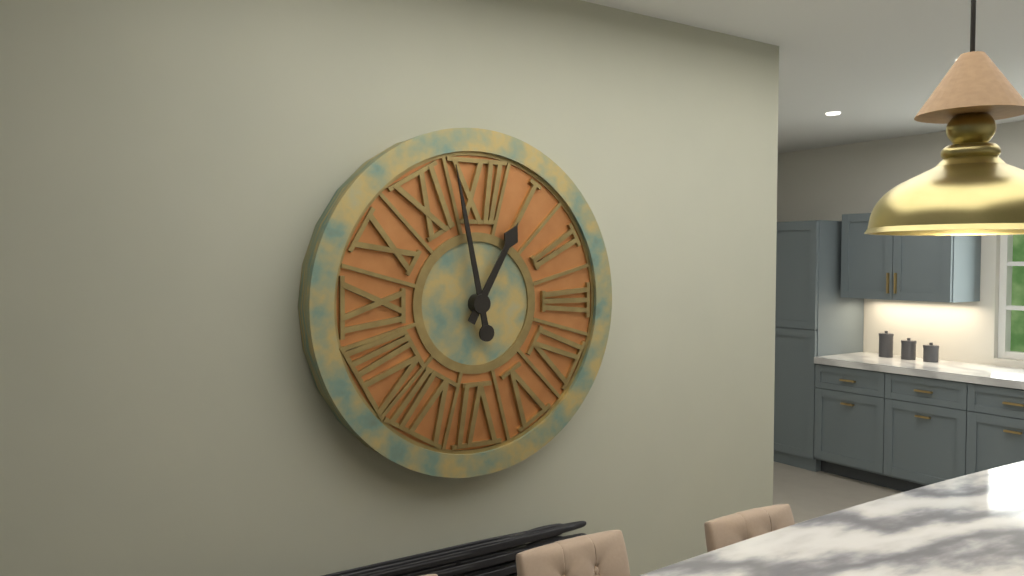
12 h 58 min
